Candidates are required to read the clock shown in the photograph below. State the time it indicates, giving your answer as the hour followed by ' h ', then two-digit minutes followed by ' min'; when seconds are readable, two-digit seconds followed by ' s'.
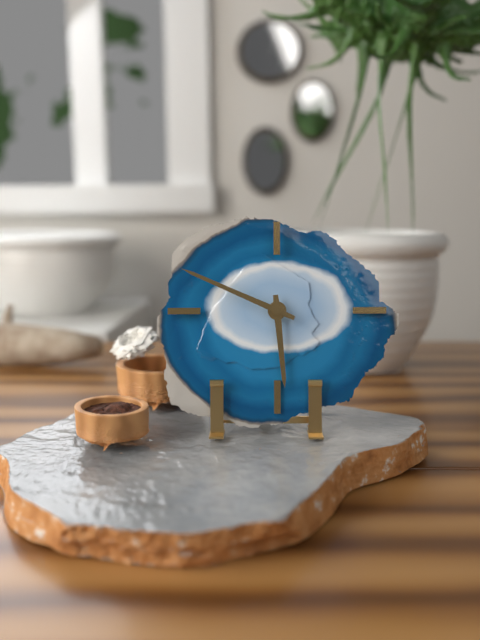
5 h 49 min
